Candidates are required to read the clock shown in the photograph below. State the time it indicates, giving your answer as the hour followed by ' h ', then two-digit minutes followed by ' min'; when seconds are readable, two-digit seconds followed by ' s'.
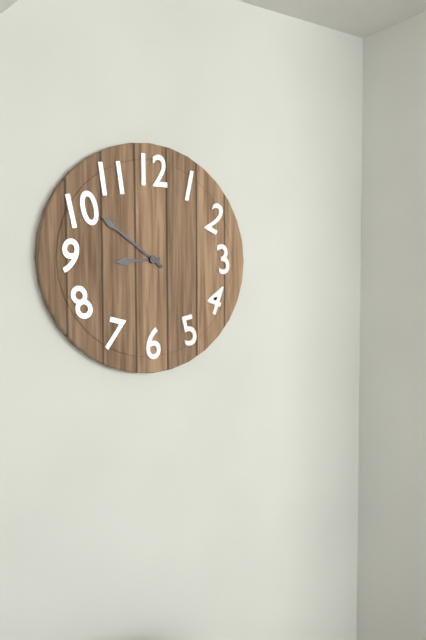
8 h 51 min
